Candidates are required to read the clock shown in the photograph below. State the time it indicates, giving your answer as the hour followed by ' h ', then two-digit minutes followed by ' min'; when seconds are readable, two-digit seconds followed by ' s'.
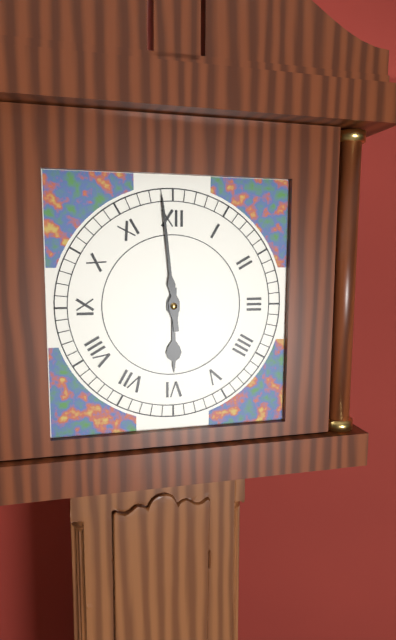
5 h 59 min
